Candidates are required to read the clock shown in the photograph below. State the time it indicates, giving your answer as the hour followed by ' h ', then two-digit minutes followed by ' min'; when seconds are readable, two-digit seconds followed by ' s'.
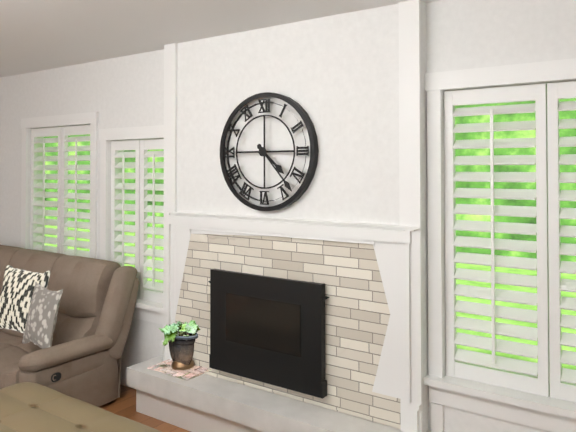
4 h 23 min
